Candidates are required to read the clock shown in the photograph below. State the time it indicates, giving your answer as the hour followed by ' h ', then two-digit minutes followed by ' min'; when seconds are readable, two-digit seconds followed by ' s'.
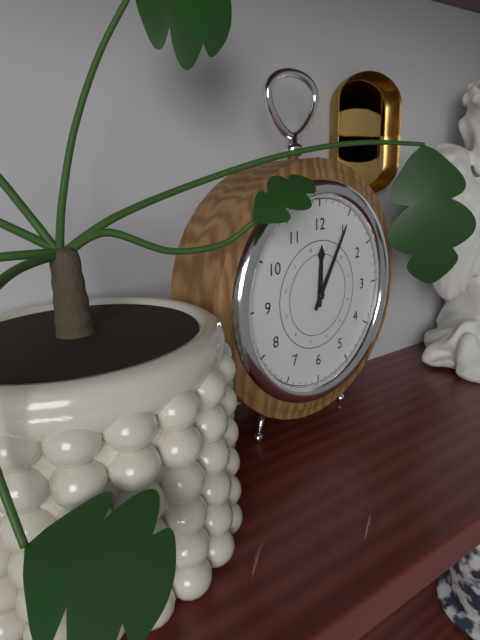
12 h 05 min
